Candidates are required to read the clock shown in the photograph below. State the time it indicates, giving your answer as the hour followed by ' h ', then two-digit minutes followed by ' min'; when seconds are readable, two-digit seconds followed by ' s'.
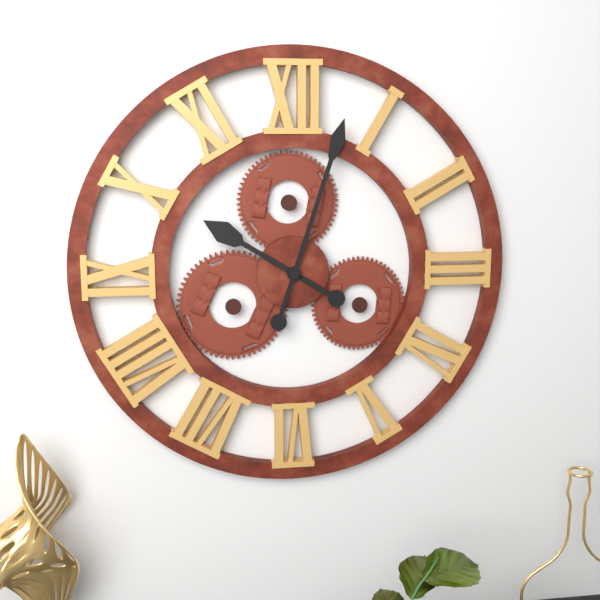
10 h 03 min
